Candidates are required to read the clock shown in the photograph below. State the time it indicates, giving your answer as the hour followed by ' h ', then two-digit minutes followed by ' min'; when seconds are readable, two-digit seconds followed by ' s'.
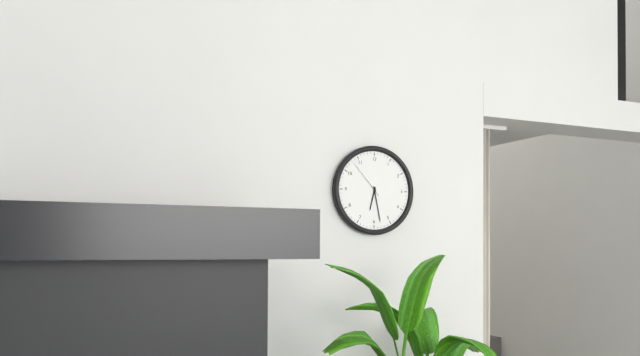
6 h 28 min
